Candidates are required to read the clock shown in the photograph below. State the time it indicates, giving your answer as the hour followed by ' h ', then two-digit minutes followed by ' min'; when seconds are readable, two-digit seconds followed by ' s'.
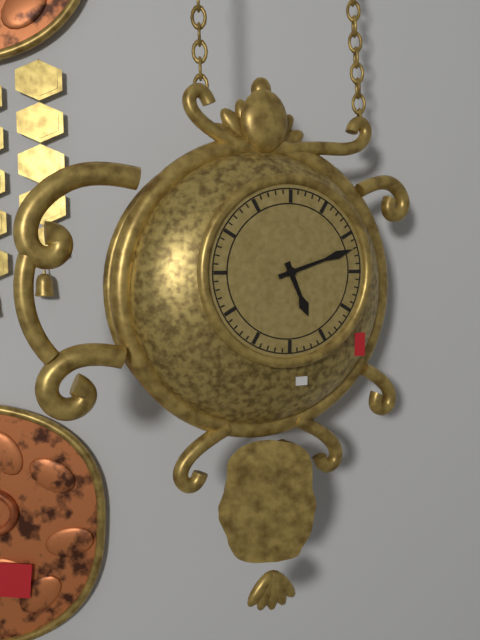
5 h 12 min
